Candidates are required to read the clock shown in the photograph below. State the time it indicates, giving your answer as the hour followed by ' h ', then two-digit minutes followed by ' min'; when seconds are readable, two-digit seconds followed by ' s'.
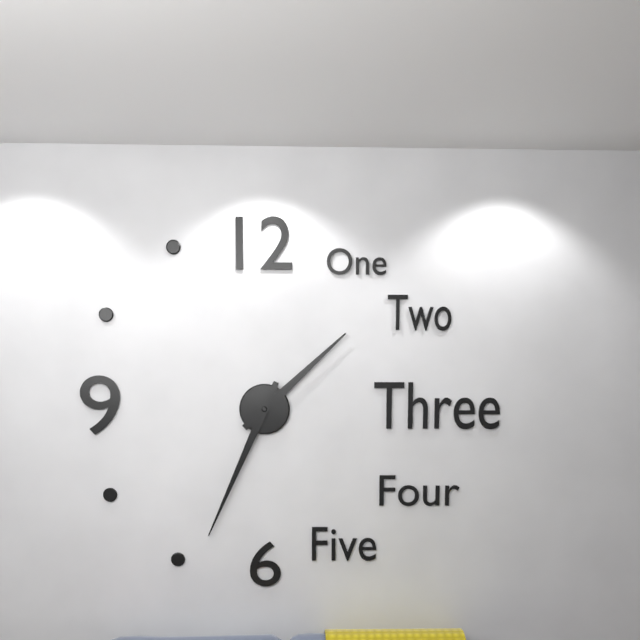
1 h 34 min
